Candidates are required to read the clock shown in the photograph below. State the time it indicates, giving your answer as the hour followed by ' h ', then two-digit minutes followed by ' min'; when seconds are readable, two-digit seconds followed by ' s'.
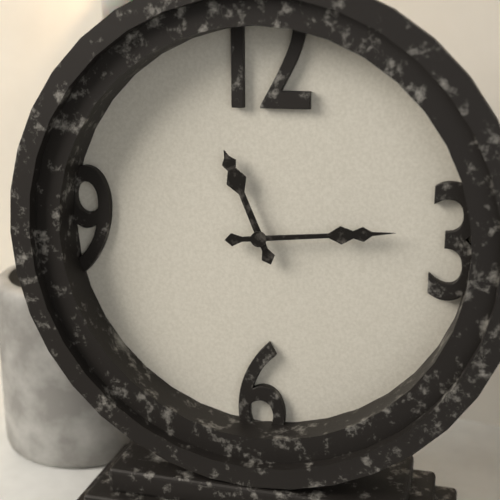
11 h 14 min
